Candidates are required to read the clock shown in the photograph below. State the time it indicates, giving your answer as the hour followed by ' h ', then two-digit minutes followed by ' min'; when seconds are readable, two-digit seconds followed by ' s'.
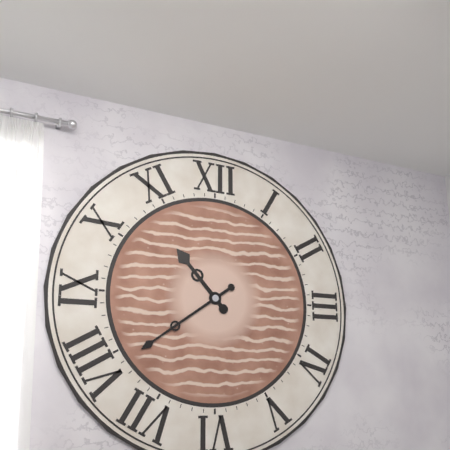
10 h 39 min
